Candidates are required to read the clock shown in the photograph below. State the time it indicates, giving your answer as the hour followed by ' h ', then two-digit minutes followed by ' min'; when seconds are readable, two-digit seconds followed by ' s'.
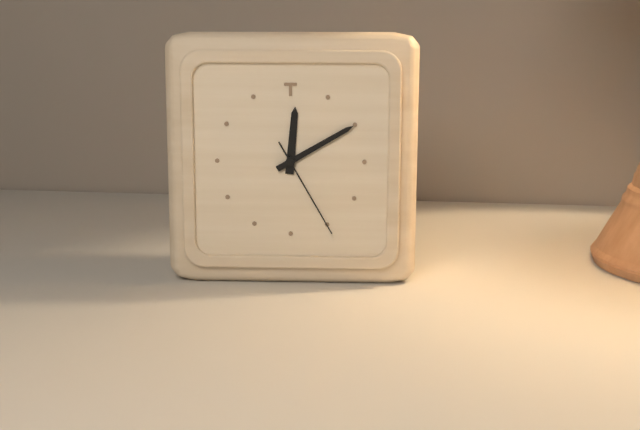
12 h 10 min 25 s
